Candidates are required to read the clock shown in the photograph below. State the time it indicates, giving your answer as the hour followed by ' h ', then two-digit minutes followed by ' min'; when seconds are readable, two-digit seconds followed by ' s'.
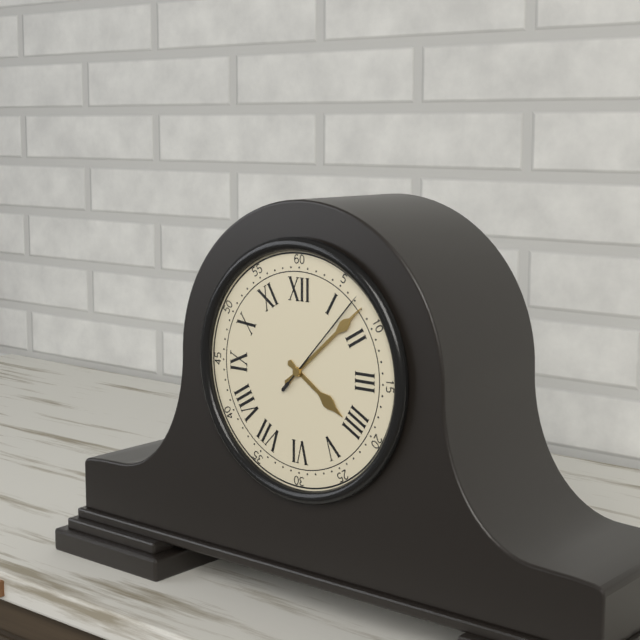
4 h 08 min 07 s
